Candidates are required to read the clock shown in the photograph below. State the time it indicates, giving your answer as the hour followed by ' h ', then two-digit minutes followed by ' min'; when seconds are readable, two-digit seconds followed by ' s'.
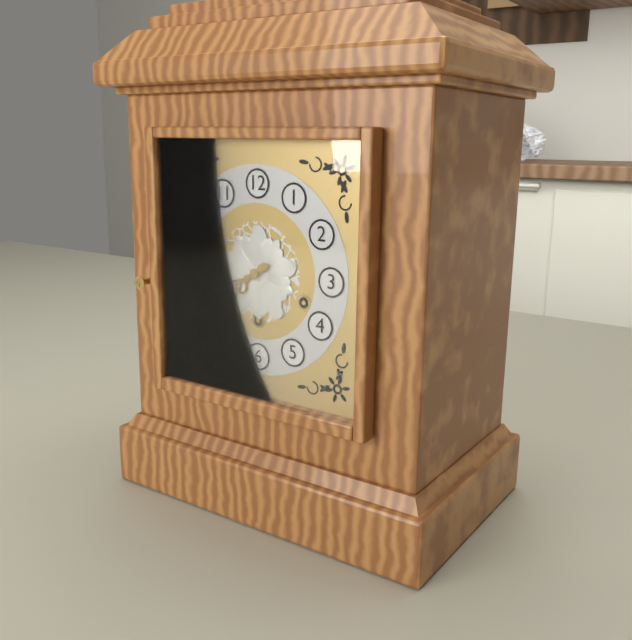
7 h 40 min
